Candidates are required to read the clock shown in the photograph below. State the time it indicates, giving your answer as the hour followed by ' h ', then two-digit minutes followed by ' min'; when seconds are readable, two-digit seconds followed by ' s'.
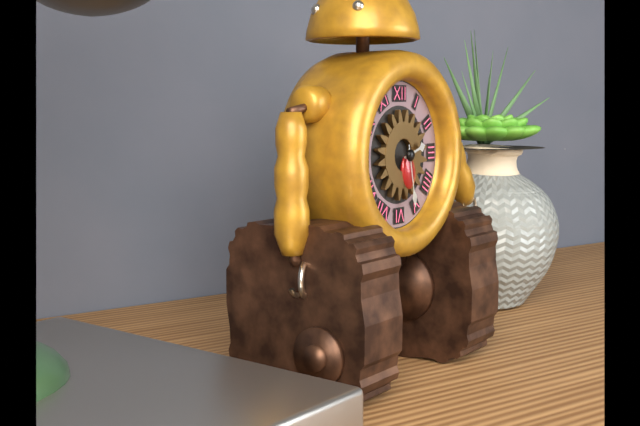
2 h 28 min
